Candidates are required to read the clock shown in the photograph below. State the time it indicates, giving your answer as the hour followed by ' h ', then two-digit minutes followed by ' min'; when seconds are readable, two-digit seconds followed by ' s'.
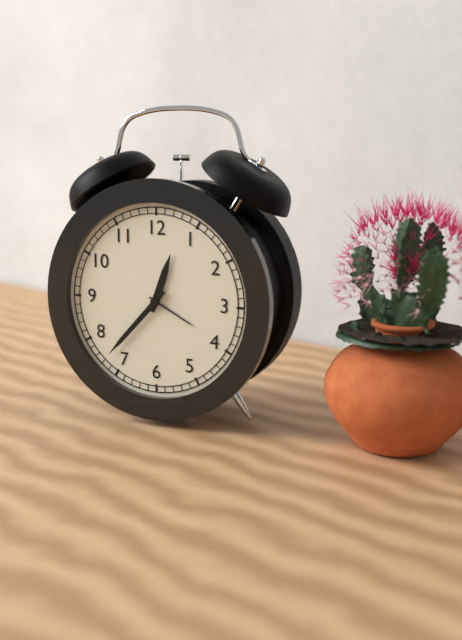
12 h 37 min
